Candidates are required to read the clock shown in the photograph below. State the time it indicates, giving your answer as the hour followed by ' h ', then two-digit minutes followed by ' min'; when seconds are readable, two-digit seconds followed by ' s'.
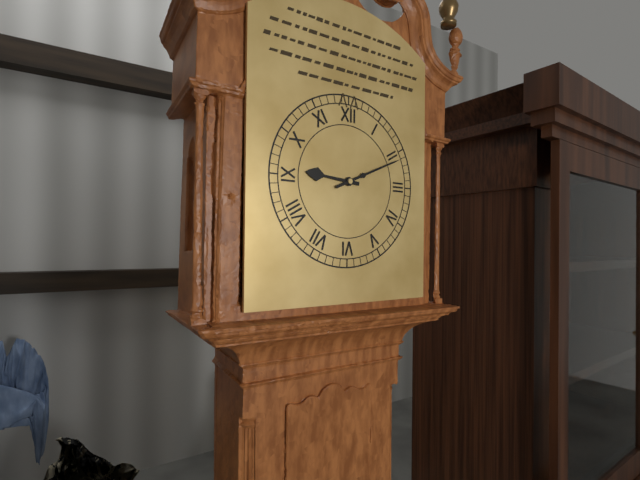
9 h 11 min
